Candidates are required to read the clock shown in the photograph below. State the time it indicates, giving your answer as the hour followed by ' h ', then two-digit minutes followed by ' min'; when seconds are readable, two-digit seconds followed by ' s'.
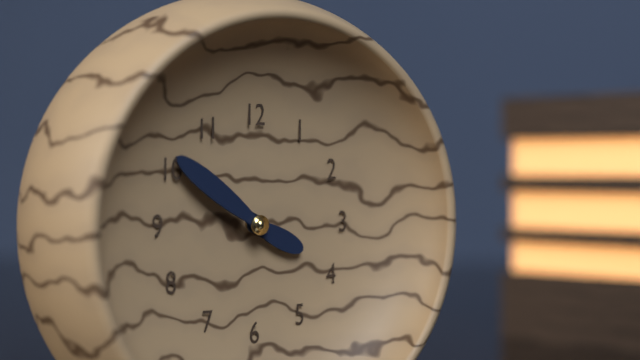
3 h 51 min
